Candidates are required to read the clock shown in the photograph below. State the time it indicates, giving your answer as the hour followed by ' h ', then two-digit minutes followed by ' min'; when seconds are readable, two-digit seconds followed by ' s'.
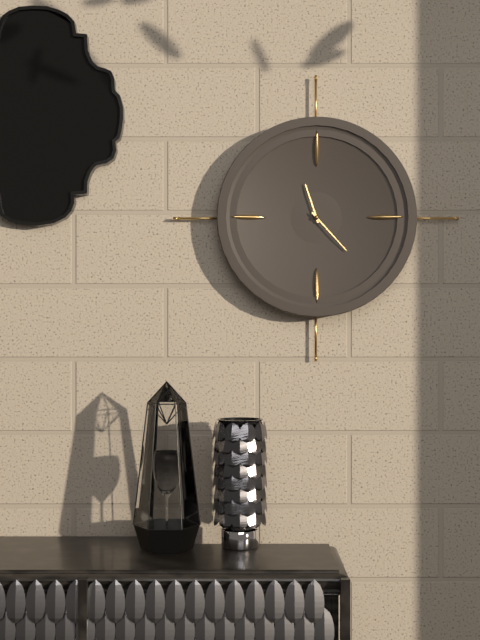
11 h 23 min
